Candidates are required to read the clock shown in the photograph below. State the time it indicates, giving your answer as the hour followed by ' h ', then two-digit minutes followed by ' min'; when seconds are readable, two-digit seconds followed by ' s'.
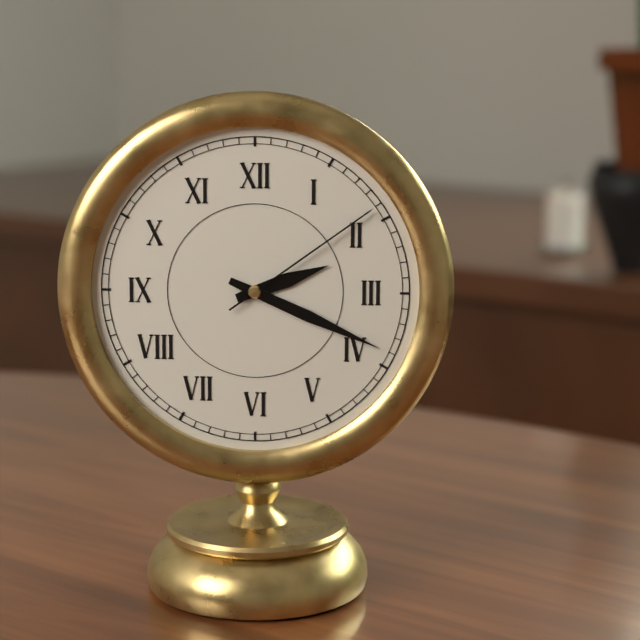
2 h 19 min 09 s
